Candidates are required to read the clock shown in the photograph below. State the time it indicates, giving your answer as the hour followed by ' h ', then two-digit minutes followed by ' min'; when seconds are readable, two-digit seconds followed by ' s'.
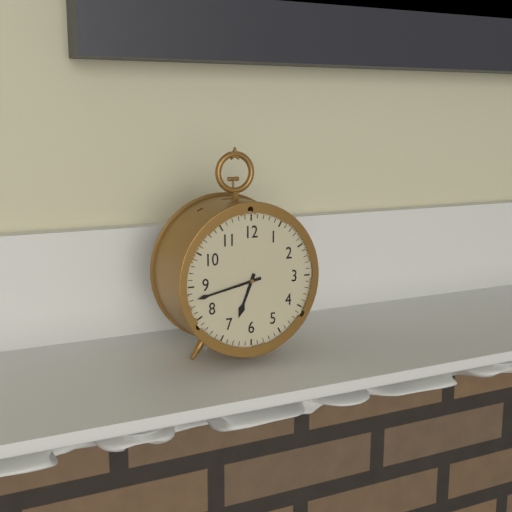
6 h 43 min
